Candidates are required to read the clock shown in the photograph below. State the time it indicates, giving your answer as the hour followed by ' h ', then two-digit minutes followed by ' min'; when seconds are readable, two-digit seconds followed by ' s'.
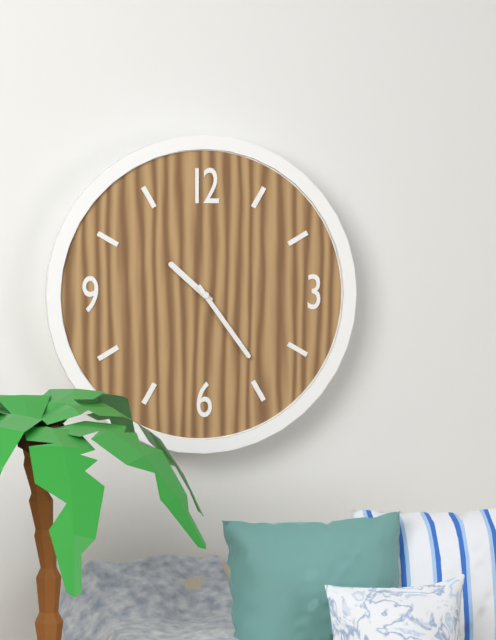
10 h 24 min
